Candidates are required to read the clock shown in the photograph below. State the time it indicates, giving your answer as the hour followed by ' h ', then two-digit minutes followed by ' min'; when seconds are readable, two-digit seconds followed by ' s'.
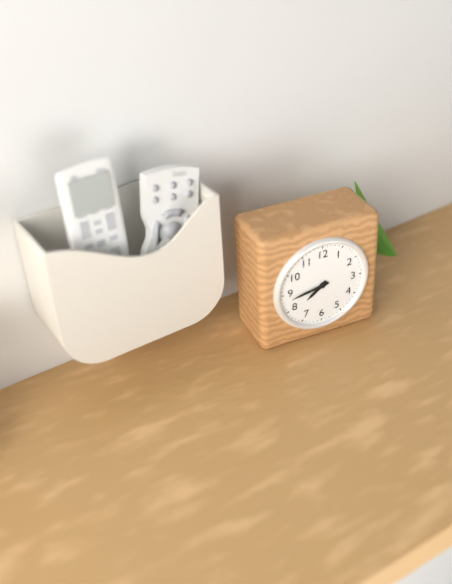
7 h 43 min
